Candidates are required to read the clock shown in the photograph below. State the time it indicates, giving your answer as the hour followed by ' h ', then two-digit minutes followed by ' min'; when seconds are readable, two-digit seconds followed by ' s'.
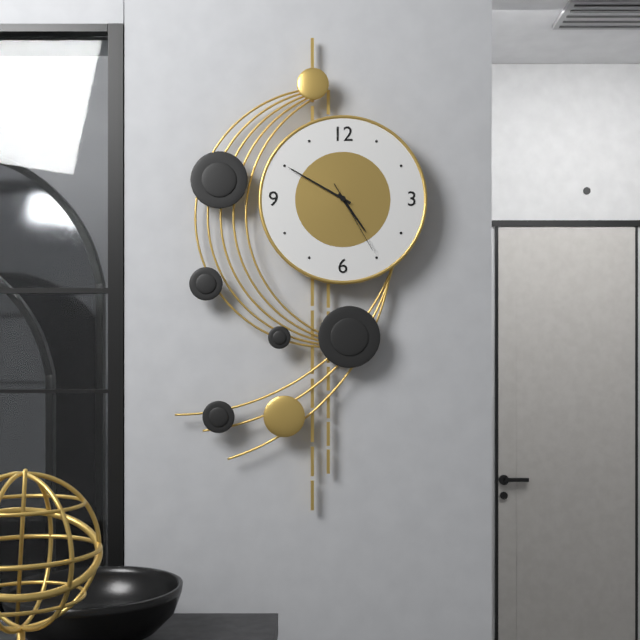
4 h 50 min 25 s
